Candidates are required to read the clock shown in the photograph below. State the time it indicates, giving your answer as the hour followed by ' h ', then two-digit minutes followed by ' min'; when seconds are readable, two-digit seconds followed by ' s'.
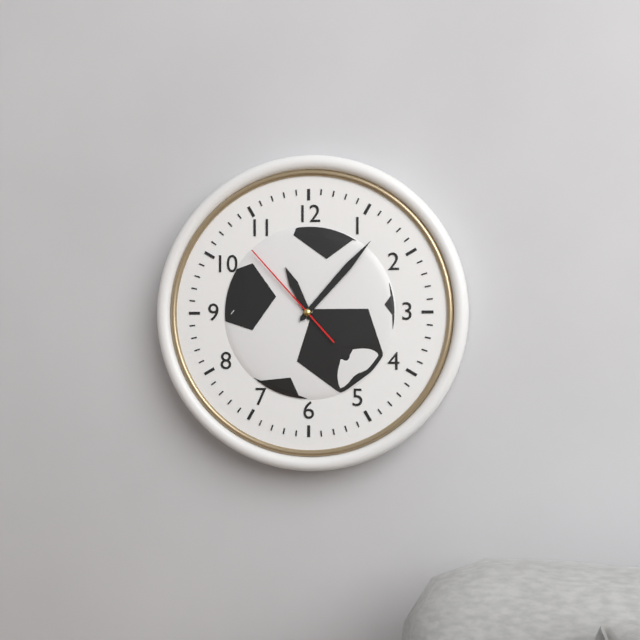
11 h 07 min 53 s
